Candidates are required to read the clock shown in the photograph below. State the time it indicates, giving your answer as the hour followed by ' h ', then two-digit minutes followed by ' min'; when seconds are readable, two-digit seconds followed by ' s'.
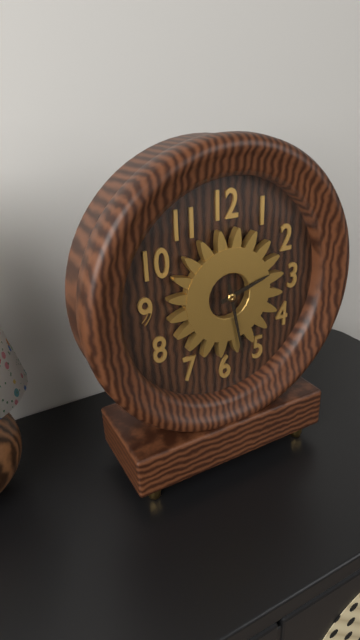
2 h 28 min
